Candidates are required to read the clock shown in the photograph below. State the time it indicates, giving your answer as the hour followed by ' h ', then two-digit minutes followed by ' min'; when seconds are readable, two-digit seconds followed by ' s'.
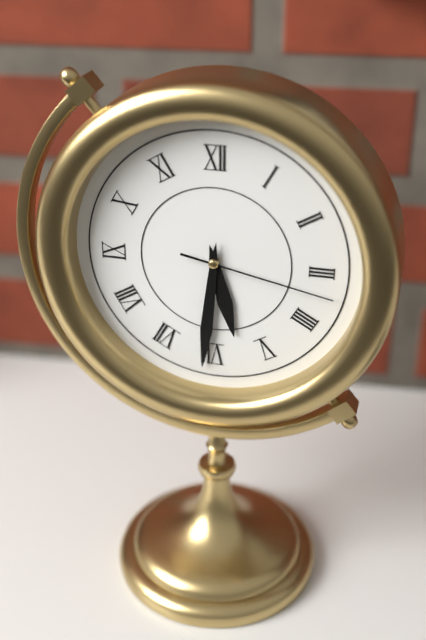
5 h 31 min 17 s
